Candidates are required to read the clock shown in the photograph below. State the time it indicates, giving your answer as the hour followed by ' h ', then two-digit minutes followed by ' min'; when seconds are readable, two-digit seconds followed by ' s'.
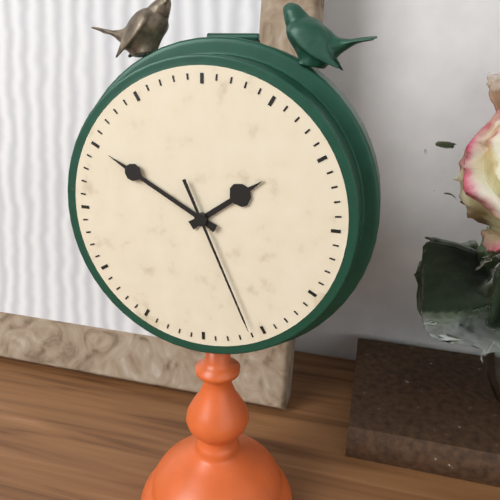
1 h 50 min 26 s
